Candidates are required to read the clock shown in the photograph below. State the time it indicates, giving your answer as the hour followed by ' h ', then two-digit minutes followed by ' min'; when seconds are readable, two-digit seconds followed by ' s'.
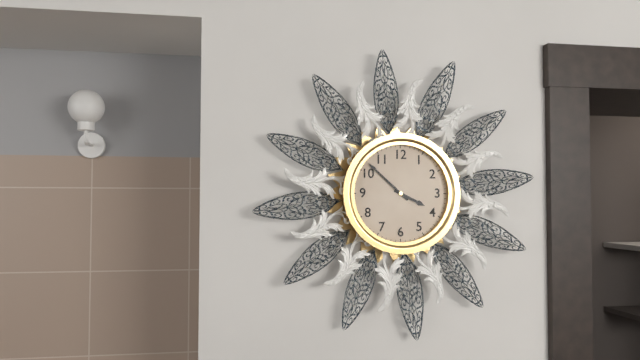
3 h 52 min
